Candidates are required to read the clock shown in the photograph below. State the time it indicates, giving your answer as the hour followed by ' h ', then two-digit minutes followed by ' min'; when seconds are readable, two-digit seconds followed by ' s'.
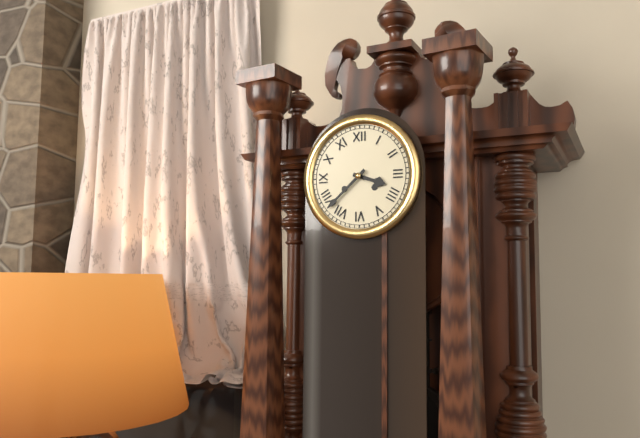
3 h 38 min
